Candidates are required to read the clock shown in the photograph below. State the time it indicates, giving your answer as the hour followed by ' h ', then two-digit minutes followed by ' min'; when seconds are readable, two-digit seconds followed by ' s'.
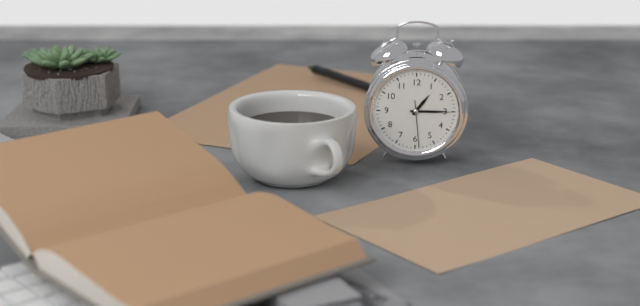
1 h 15 min
